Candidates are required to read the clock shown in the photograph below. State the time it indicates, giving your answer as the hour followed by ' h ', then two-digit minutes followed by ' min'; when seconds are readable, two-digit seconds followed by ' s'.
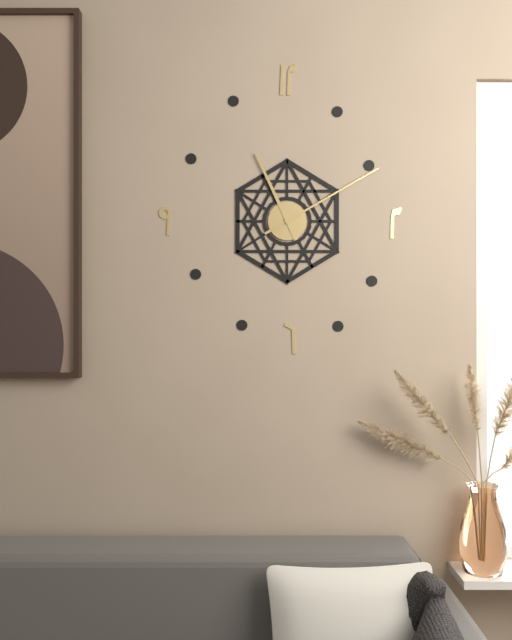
11 h 10 min
